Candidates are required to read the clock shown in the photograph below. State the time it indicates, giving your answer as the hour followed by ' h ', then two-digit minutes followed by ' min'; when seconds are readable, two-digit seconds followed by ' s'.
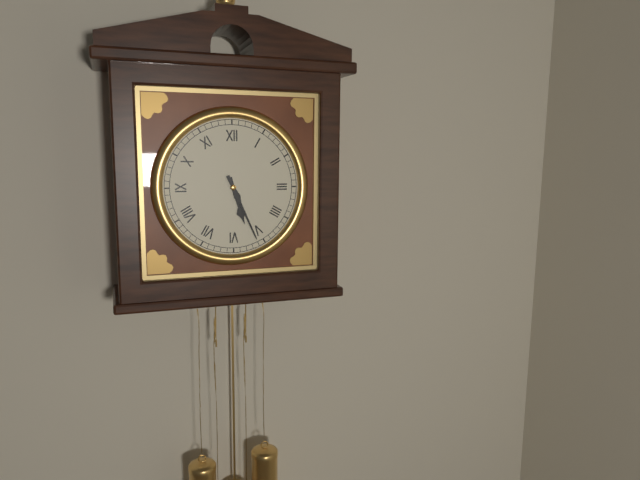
5 h 26 min
